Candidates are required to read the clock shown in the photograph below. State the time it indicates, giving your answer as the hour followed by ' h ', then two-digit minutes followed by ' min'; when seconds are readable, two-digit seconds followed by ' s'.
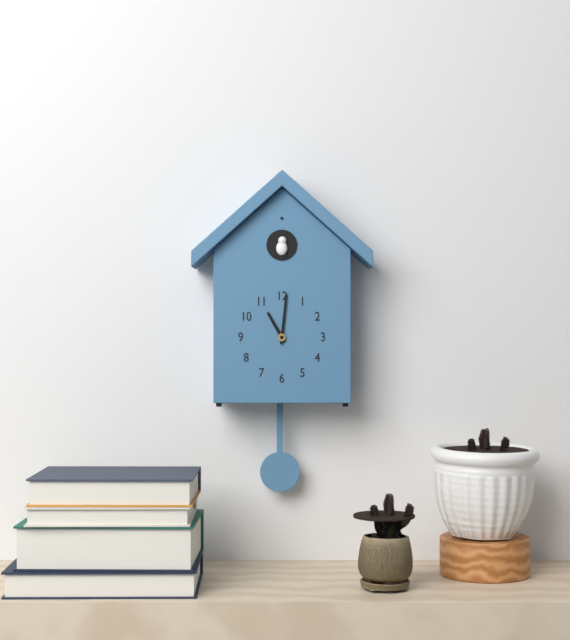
11 h 01 min
